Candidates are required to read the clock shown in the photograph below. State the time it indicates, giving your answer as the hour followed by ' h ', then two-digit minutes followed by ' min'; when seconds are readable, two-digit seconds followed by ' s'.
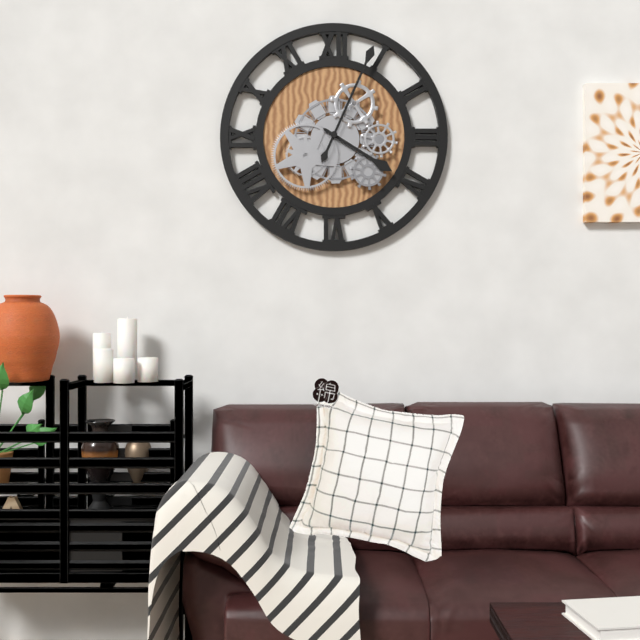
4 h 04 min
